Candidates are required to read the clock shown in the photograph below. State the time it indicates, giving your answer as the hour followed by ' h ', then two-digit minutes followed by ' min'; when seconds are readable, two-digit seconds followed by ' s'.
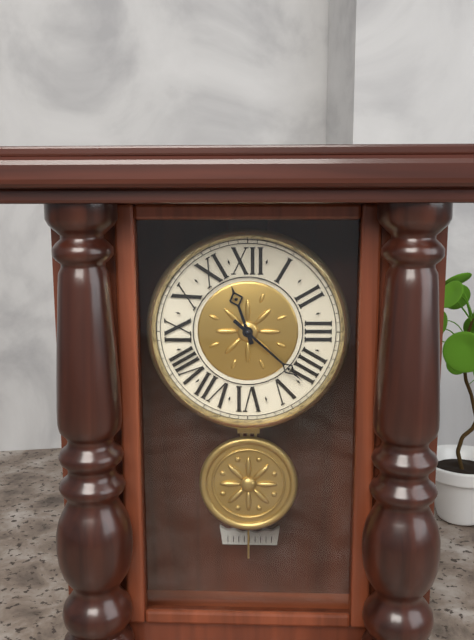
11 h 22 min
